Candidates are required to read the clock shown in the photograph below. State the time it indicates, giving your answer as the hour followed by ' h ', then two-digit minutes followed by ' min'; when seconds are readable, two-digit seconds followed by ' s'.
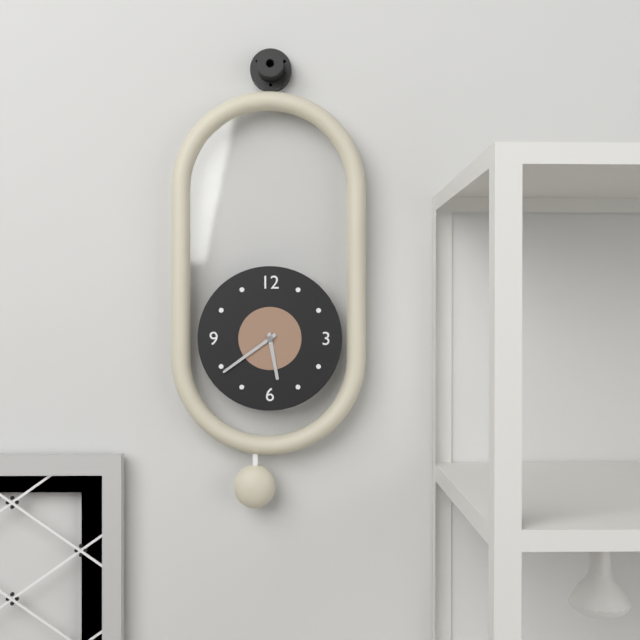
5 h 39 min
